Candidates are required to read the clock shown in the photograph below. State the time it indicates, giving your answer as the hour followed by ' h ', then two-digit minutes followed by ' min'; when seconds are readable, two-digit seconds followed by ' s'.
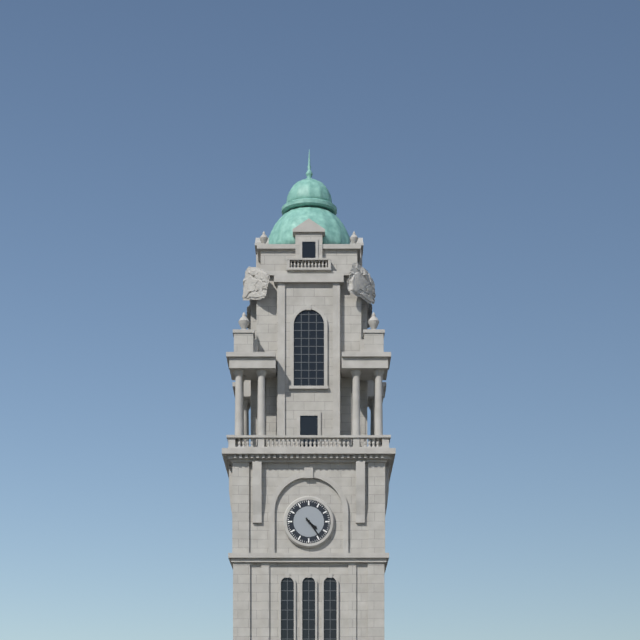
4 h 24 min
